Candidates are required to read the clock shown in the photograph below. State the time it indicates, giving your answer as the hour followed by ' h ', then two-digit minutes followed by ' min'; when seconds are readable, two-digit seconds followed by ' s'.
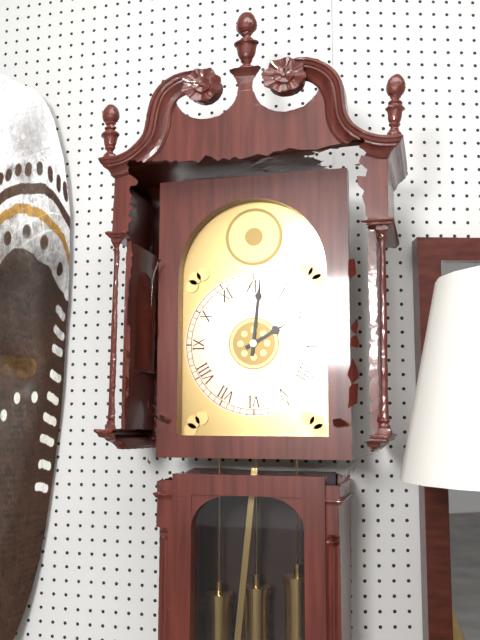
2 h 01 min
